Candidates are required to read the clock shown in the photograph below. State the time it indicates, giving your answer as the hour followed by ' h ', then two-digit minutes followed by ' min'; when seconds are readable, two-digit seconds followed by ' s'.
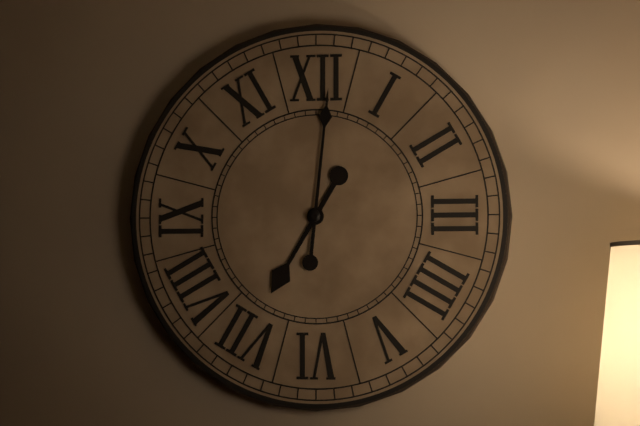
7 h 01 min
